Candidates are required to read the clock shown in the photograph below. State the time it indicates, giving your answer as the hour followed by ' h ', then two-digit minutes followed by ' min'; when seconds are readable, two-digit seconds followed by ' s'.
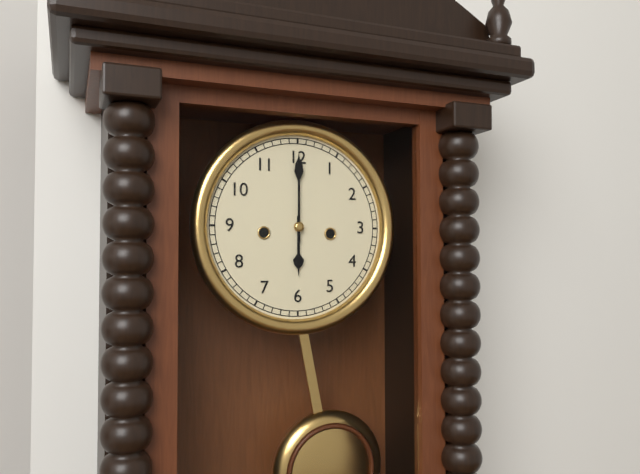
6 h 00 min
